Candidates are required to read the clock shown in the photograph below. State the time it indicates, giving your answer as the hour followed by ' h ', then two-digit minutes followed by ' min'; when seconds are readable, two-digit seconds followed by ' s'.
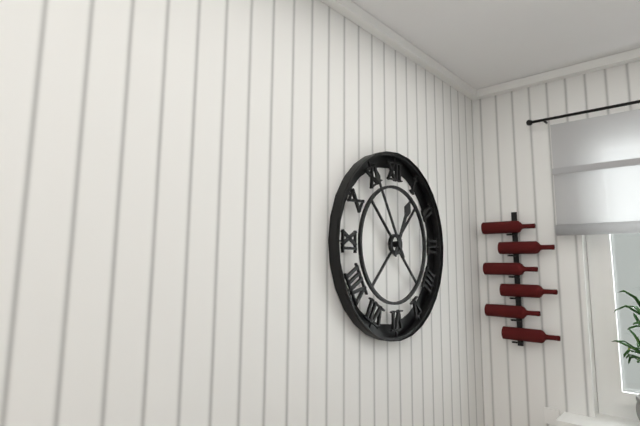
12 h 55 min
